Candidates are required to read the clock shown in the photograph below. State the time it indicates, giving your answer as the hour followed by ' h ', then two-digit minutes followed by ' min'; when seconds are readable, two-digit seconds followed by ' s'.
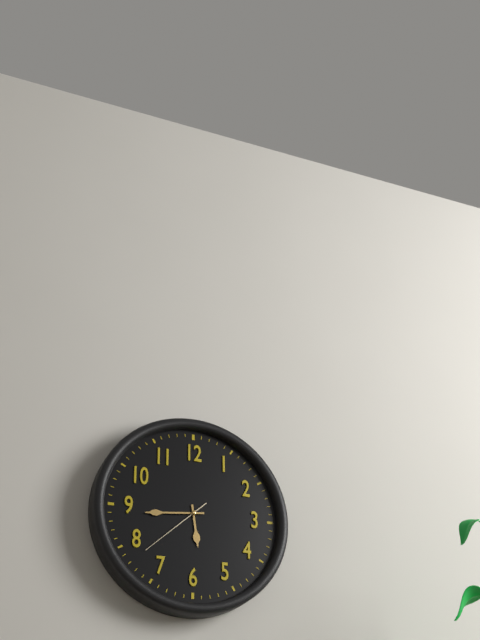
5 h 44 min 38 s
